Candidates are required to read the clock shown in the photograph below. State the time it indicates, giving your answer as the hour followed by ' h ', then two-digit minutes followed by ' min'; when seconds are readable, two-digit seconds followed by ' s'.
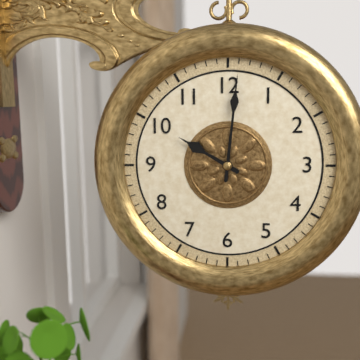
10 h 01 min
